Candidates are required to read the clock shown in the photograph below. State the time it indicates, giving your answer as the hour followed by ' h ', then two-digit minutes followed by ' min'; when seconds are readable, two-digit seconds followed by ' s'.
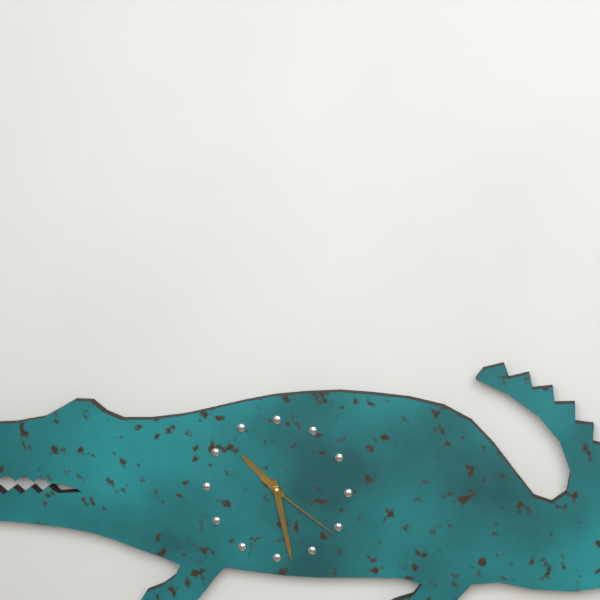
10 h 28 min 21 s
